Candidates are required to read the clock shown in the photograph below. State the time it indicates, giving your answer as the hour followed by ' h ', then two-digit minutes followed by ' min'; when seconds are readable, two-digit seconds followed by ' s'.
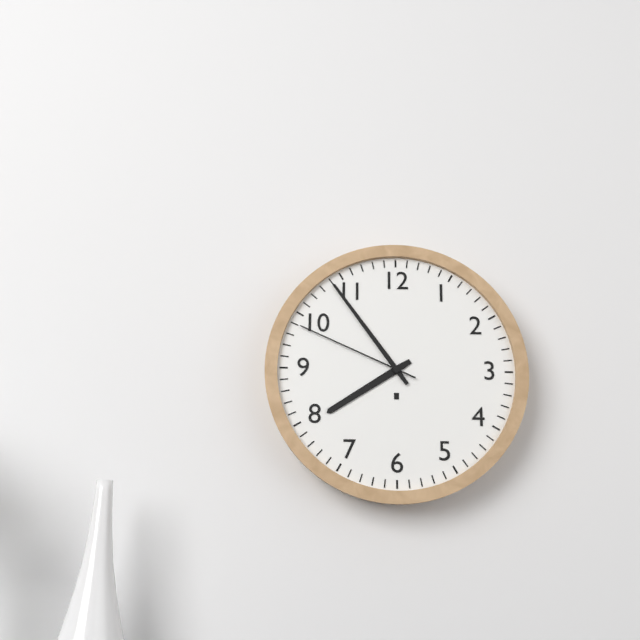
7 h 54 min 49 s
